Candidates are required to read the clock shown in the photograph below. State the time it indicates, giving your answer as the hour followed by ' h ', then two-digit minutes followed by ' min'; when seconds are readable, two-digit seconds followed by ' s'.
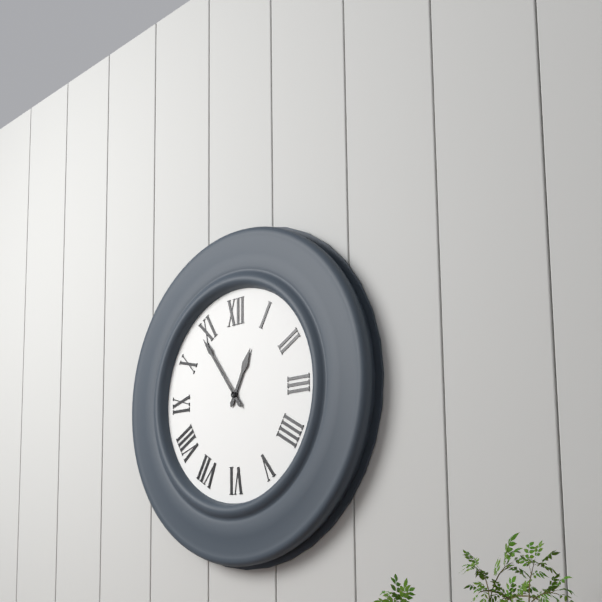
12 h 54 min
